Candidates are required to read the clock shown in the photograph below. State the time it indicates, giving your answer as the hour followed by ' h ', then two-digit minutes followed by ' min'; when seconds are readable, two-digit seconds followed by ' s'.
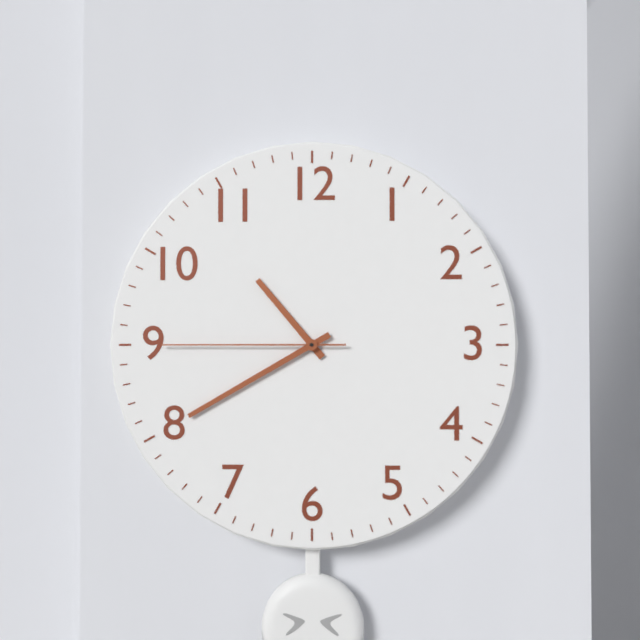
10 h 40 min 45 s
